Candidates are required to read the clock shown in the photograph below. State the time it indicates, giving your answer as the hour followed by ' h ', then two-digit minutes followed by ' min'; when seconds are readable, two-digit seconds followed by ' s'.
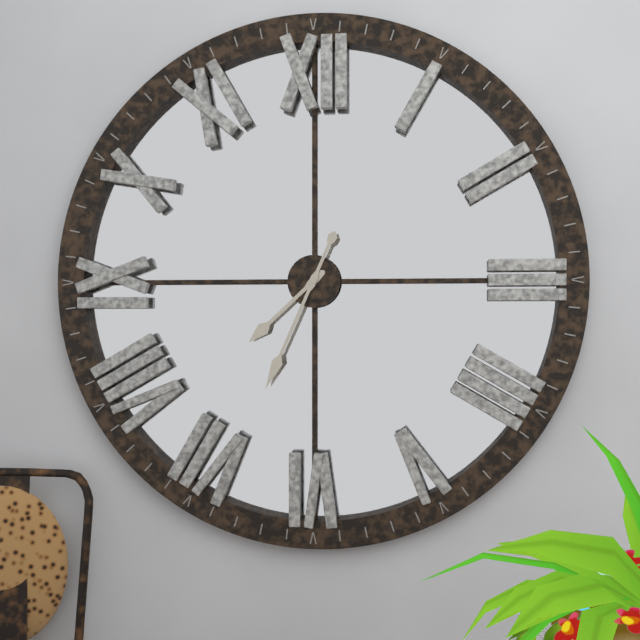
7 h 34 min
